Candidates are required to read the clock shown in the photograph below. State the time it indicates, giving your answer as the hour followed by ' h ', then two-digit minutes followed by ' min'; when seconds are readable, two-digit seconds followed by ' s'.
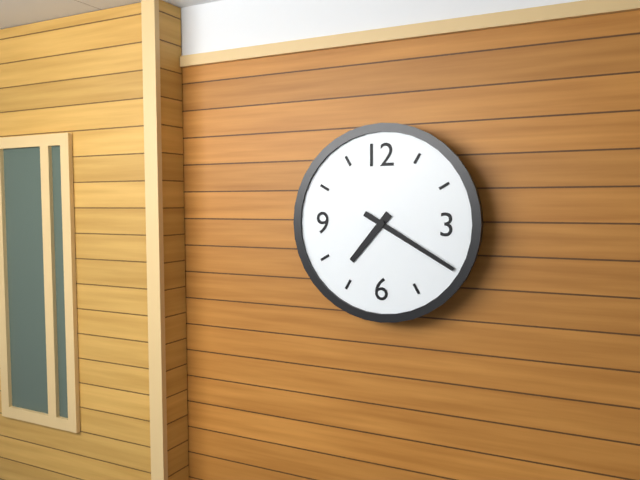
7 h 20 min
